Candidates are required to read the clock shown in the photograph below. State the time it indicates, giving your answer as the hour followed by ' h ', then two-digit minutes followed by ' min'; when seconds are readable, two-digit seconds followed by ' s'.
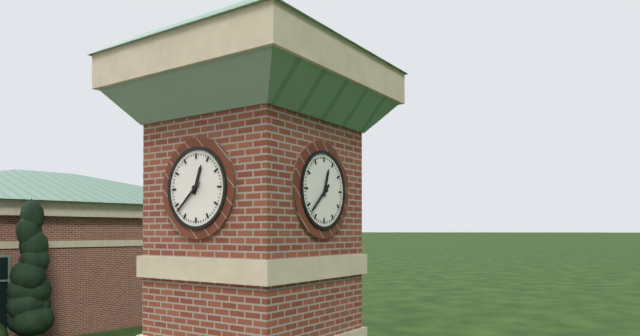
12 h 38 min
